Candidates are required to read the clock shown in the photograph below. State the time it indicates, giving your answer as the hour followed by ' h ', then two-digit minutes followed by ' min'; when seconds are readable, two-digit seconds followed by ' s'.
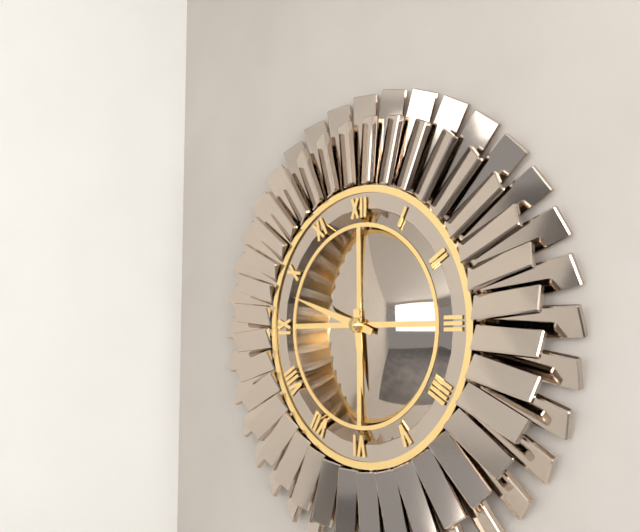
5 h 48 min
